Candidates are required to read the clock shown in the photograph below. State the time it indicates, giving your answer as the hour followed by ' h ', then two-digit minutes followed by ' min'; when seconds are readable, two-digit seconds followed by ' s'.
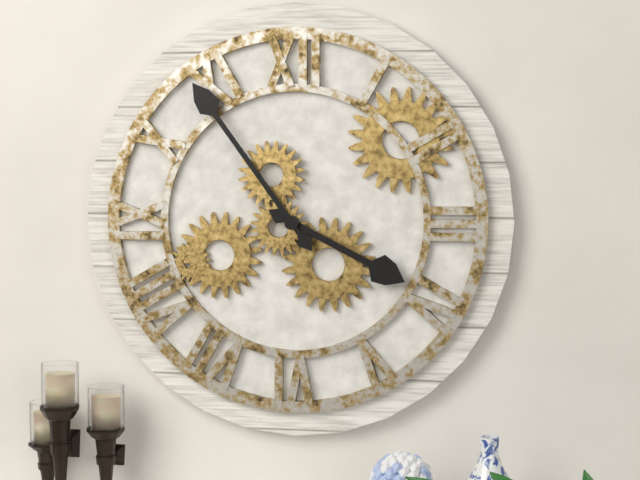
3 h 54 min
